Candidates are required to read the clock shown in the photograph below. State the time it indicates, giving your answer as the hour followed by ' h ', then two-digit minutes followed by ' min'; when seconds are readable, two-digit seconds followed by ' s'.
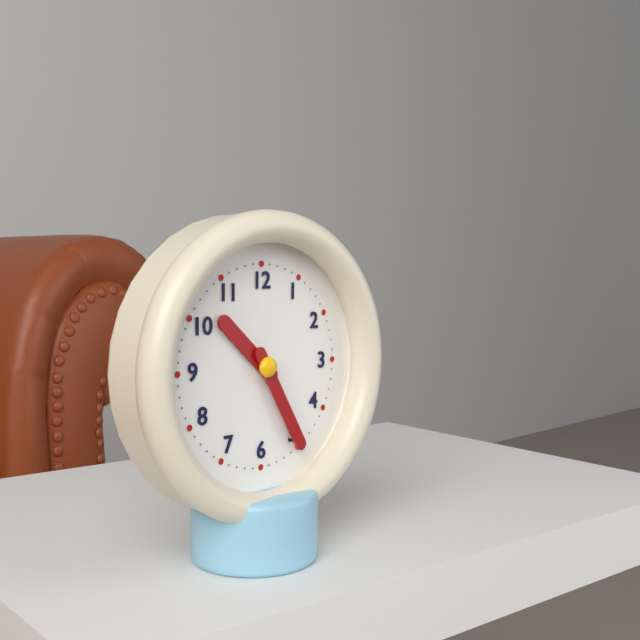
10 h 25 min
